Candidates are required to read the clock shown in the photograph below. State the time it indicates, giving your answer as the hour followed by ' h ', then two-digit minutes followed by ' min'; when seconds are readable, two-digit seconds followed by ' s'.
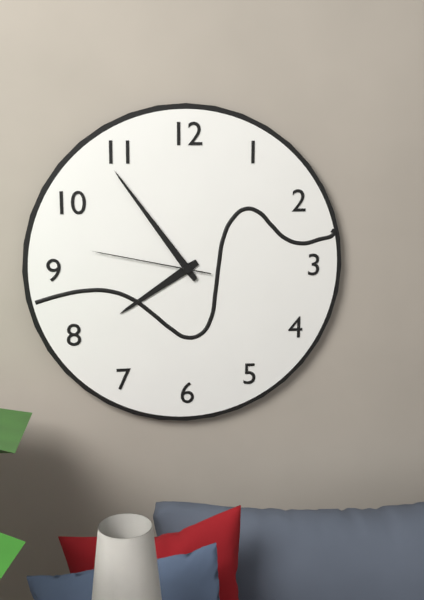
7 h 54 min 47 s
